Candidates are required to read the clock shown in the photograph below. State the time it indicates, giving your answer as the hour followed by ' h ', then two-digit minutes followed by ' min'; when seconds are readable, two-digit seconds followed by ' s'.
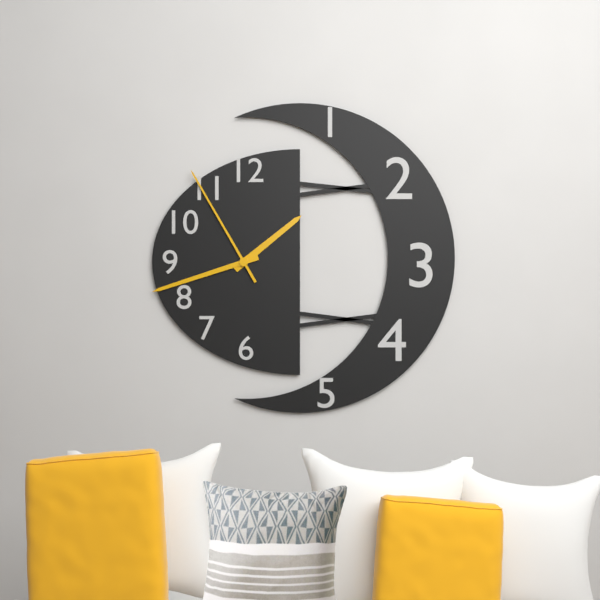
1 h 42 min 55 s
